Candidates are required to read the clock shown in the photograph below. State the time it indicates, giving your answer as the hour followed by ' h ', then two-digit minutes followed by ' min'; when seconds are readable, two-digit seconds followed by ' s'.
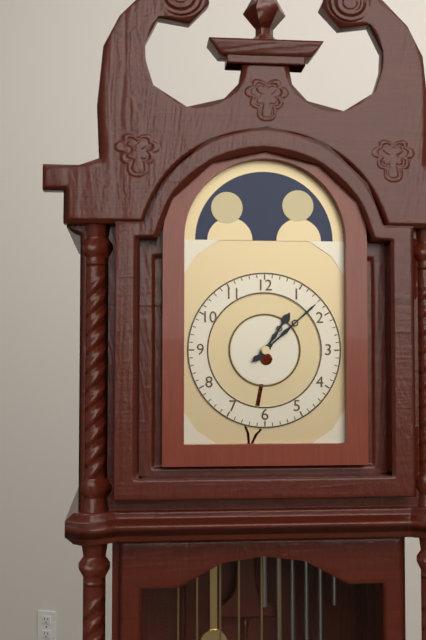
1 h 08 min
